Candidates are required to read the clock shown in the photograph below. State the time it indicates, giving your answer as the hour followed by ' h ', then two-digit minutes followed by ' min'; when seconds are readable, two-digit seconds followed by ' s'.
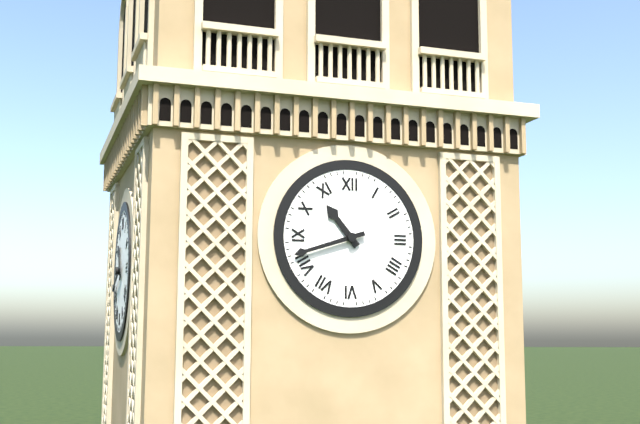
10 h 42 min
